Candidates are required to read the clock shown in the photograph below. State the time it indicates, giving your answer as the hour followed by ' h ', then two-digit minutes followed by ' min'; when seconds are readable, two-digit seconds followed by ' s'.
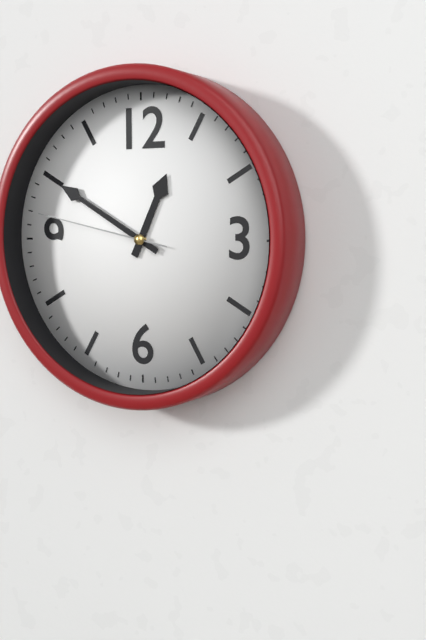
12 h 50 min 47 s
